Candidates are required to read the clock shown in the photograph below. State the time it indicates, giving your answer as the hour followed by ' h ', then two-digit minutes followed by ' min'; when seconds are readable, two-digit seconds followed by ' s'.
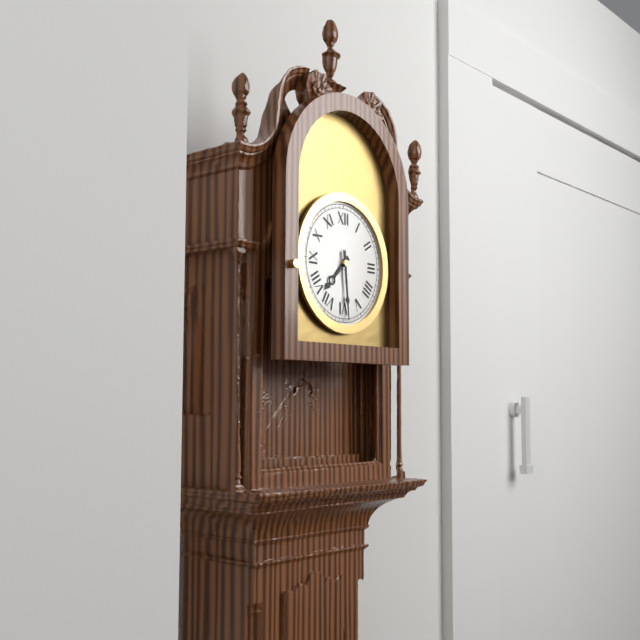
7 h 29 min
